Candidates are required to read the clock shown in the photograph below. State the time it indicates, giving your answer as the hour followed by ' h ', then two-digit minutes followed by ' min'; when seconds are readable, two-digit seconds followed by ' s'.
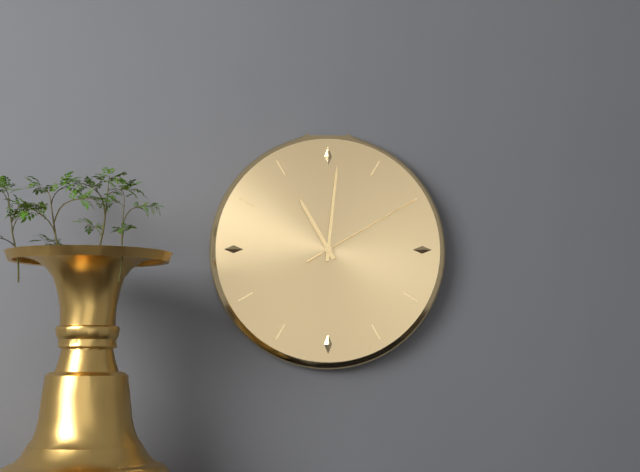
11 h 01 min 10 s
